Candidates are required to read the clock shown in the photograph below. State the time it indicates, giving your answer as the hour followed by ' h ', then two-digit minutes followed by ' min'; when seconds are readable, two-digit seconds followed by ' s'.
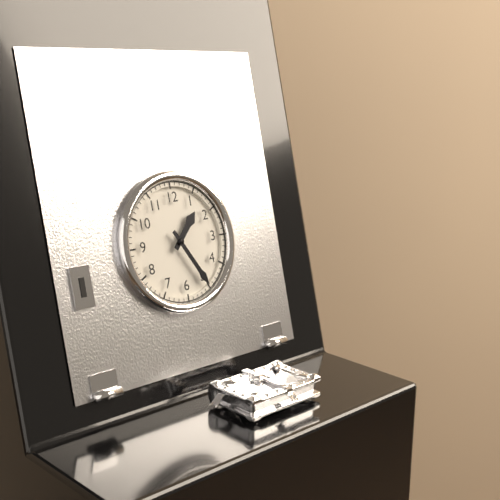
1 h 25 min
